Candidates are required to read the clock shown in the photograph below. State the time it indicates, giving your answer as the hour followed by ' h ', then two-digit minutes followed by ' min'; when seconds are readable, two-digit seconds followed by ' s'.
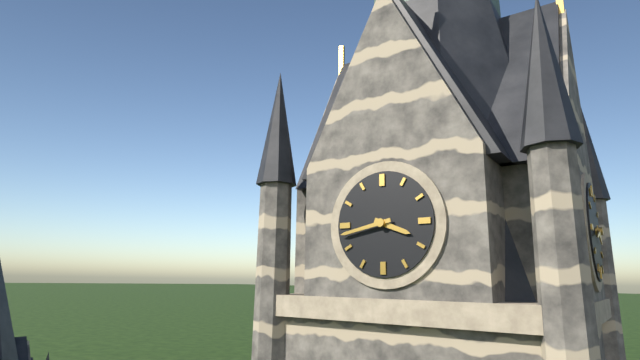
3 h 43 min
